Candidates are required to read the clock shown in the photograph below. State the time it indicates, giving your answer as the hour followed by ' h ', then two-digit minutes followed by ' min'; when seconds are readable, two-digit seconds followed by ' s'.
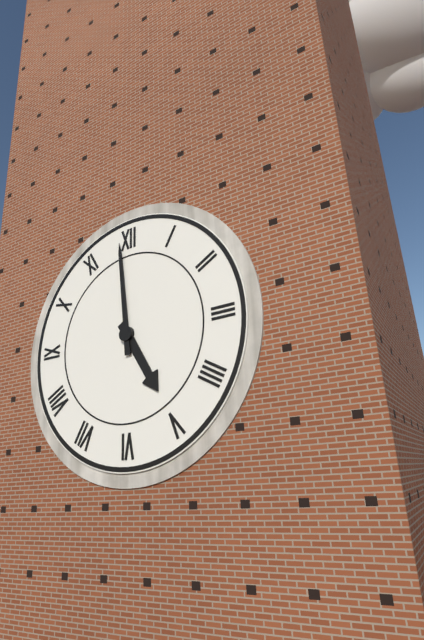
4 h 59 min
